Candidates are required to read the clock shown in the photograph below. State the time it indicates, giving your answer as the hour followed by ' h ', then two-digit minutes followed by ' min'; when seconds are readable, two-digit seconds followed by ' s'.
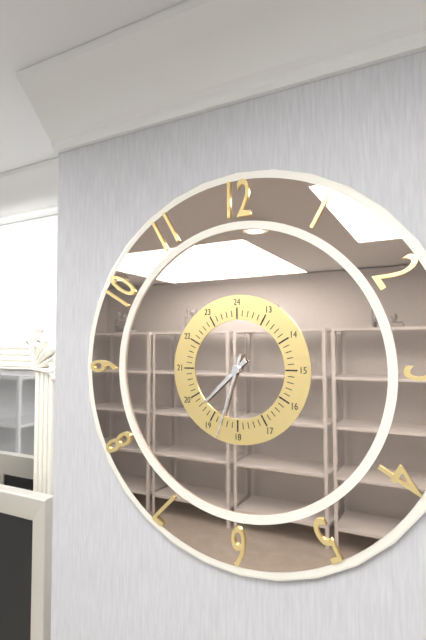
7 h 33 min
